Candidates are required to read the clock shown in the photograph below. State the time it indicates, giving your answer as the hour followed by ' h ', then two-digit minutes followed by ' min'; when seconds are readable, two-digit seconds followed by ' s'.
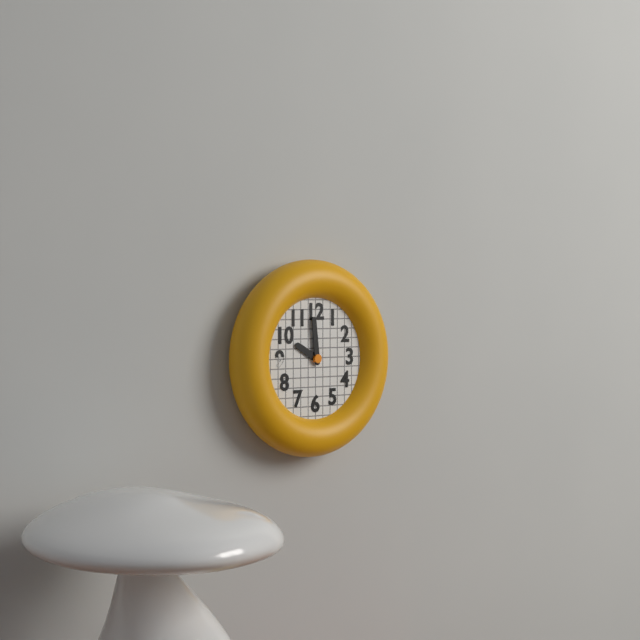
9 h 59 min
